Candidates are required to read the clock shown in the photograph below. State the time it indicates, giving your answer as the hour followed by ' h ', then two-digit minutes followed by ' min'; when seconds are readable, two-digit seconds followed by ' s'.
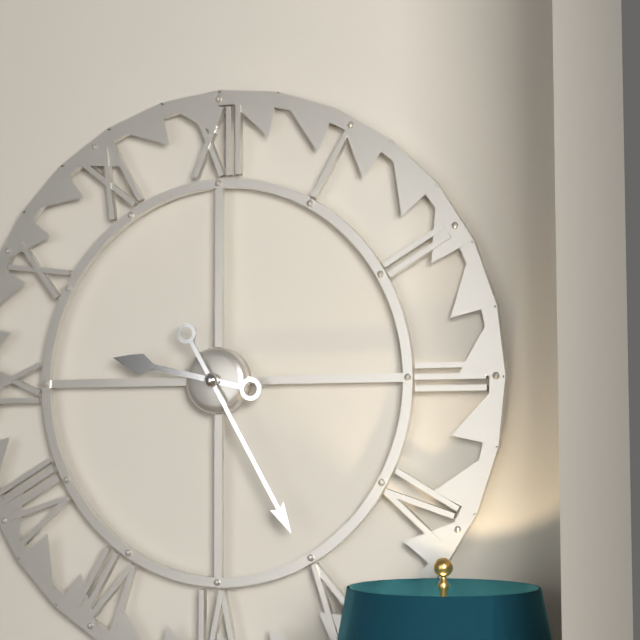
9 h 25 min
